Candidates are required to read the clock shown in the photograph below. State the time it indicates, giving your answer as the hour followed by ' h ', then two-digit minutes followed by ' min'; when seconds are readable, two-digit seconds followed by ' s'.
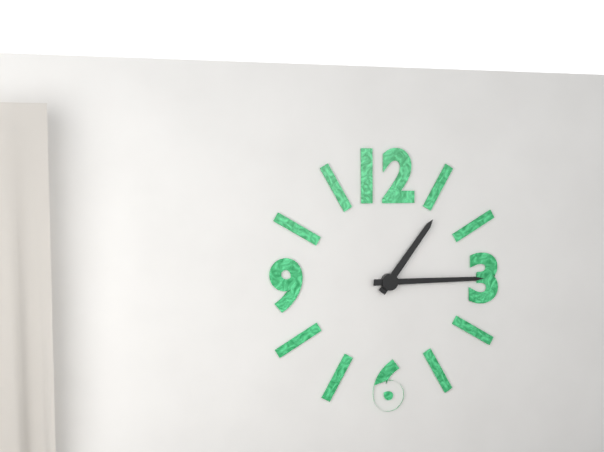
1 h 15 min
